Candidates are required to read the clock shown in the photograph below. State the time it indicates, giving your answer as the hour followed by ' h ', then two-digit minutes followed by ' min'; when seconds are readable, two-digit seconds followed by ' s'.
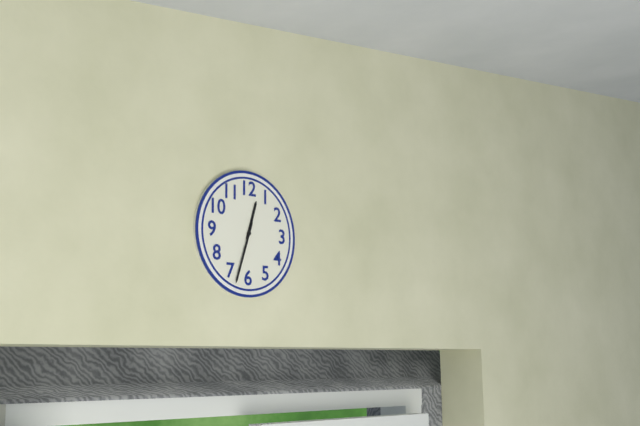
12 h 33 min
